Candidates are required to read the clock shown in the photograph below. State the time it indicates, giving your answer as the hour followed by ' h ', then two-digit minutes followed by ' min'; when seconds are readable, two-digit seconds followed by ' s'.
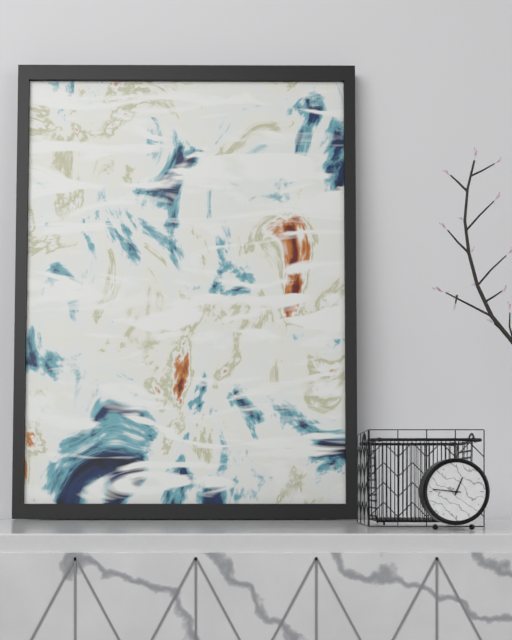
12 h 46 min
